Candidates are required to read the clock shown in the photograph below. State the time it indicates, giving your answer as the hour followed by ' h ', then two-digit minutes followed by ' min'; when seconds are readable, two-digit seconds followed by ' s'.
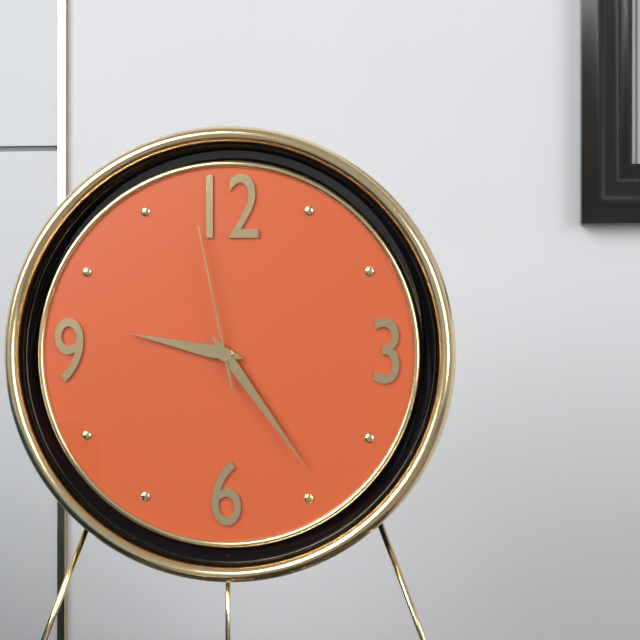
9 h 24 min 58 s
